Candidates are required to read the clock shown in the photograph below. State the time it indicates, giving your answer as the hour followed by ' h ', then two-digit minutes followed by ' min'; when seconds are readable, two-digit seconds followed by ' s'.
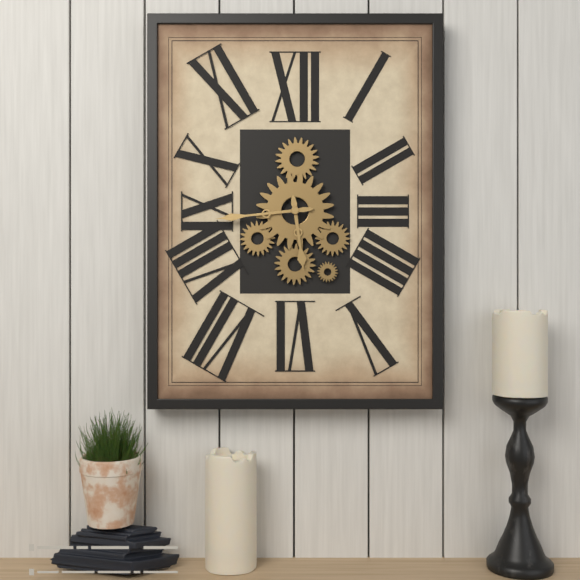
5 h 44 min
